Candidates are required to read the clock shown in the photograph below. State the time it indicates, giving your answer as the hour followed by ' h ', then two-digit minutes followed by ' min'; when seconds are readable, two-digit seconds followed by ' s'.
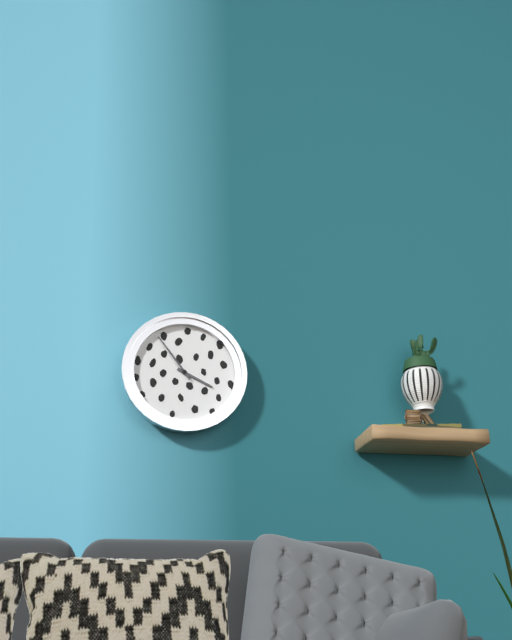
3 h 54 min
